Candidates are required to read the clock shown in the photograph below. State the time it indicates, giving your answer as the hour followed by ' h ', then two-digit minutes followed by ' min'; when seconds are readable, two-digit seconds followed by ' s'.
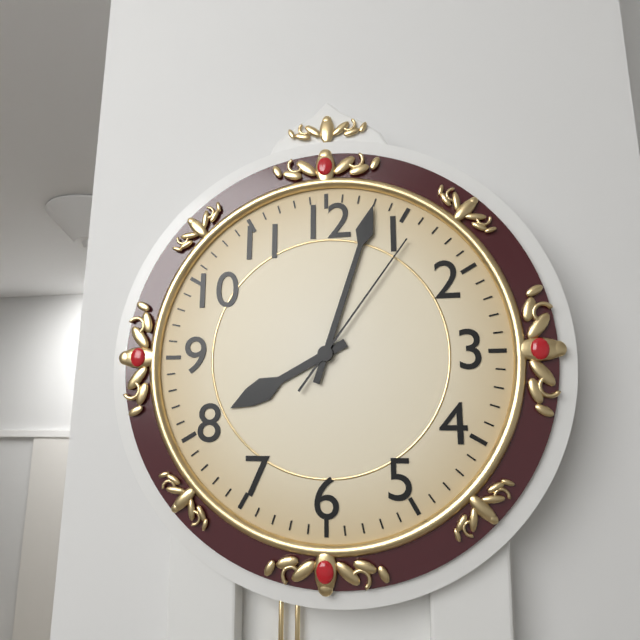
8 h 03 min 06 s
